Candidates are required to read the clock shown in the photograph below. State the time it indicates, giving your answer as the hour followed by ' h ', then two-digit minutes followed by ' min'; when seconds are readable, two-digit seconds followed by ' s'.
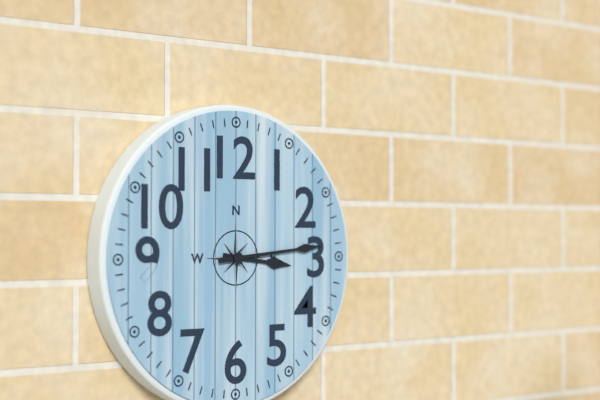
3 h 14 min
